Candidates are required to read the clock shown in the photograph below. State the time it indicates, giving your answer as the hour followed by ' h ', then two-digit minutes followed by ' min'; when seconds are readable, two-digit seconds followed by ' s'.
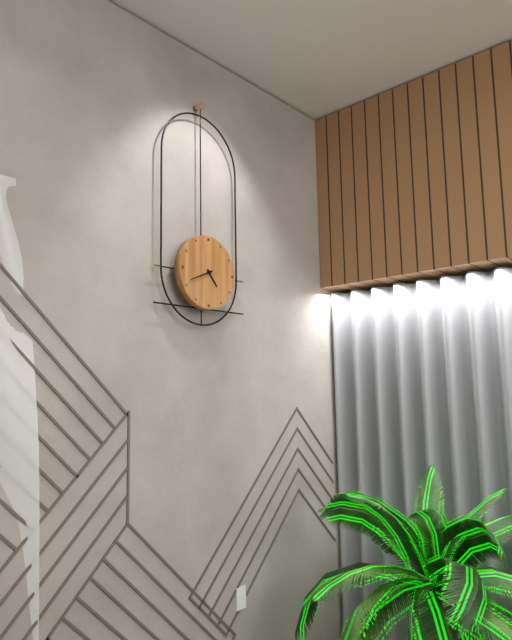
4 h 41 min
